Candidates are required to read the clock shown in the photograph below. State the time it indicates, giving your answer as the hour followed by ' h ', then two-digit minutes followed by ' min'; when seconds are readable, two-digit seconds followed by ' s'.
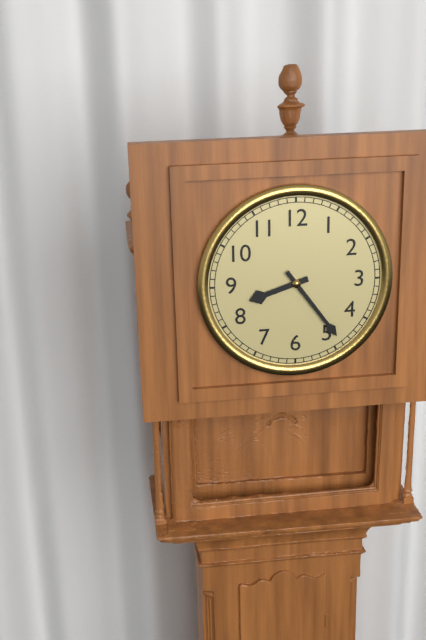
8 h 24 min
